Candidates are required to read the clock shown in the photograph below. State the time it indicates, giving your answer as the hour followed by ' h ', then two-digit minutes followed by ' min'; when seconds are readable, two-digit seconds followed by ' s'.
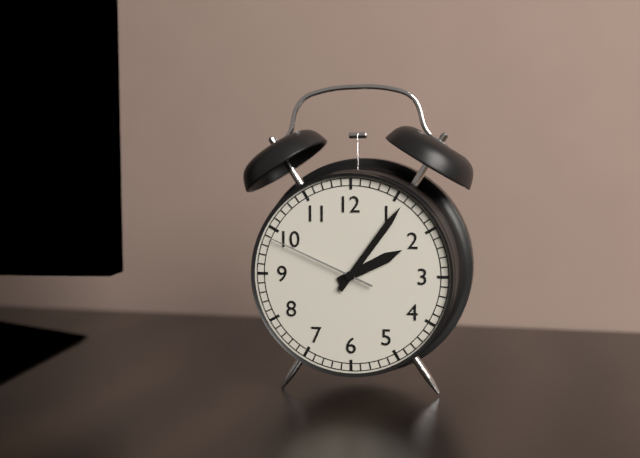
2 h 06 min 49 s
